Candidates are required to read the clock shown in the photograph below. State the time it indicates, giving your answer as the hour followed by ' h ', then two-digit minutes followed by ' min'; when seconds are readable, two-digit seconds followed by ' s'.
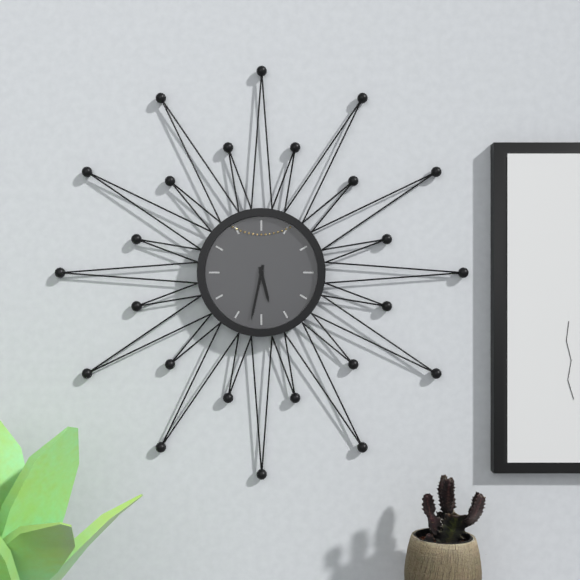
5 h 32 min
